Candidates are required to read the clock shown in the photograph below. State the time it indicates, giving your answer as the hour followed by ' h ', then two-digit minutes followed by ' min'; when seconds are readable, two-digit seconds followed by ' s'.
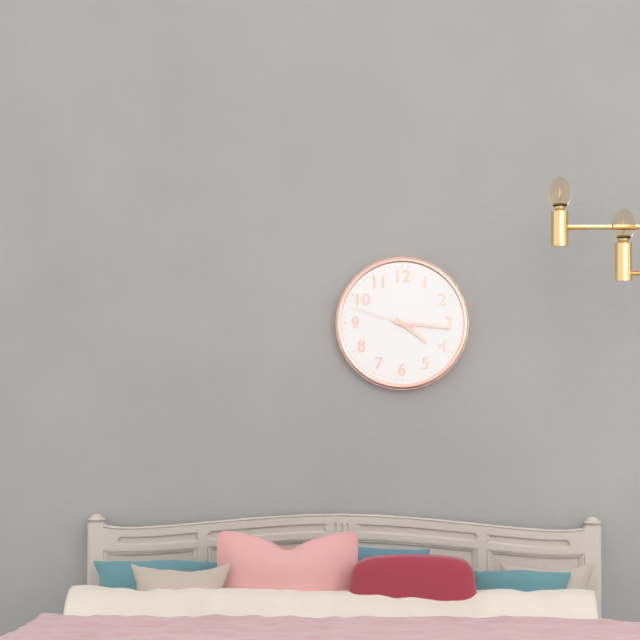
4 h 16 min 48 s
